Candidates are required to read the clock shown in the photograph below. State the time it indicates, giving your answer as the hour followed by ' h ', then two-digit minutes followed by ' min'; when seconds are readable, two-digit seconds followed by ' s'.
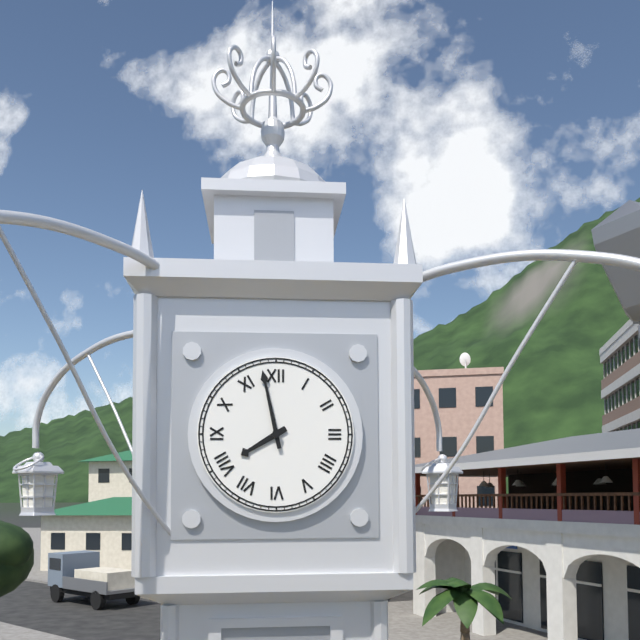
7 h 58 min
